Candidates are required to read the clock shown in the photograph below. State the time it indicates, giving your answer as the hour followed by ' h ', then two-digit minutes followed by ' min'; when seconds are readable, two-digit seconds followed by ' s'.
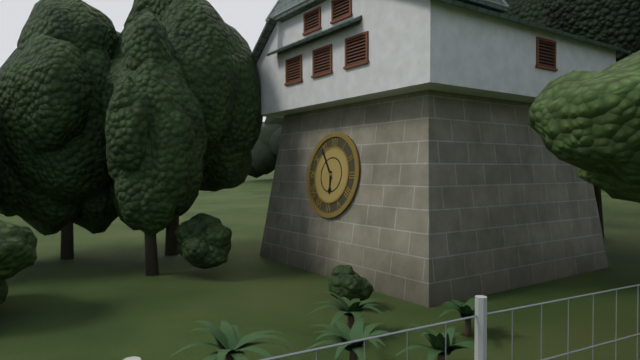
5 h 54 min
